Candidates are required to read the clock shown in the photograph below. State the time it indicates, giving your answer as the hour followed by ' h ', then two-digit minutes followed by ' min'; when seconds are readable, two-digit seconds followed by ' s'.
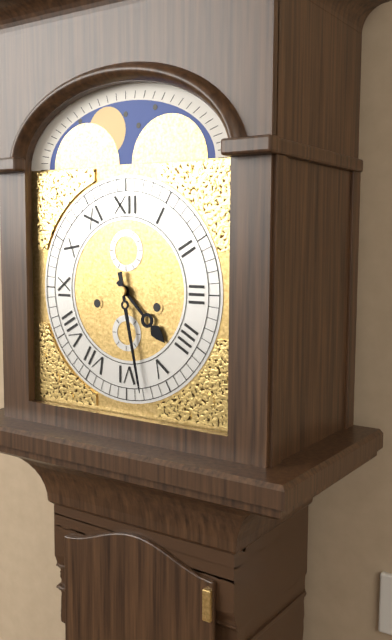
4 h 28 min
